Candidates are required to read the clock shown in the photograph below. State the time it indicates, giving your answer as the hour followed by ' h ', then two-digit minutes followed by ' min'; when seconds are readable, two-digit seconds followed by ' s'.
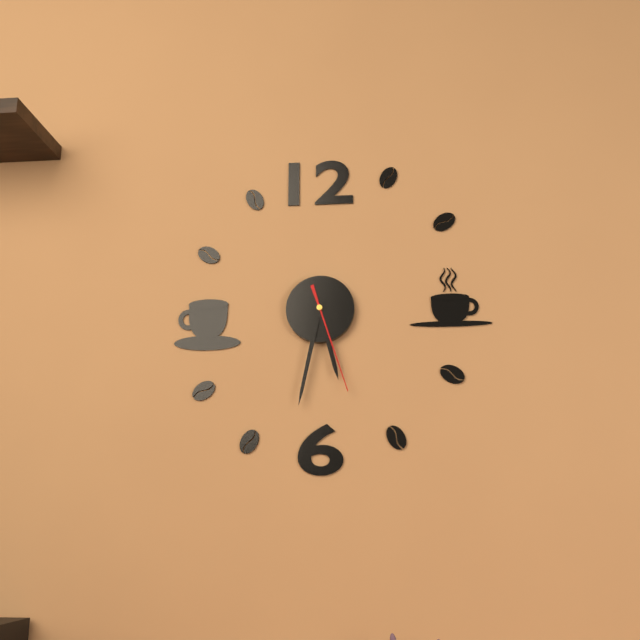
5 h 32 min 27 s
